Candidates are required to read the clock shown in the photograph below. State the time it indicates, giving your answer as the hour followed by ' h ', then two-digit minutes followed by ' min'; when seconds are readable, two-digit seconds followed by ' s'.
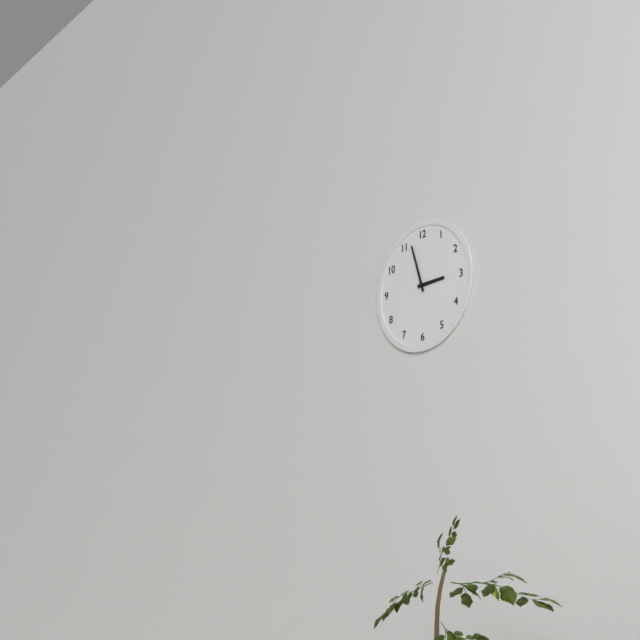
2 h 57 min
